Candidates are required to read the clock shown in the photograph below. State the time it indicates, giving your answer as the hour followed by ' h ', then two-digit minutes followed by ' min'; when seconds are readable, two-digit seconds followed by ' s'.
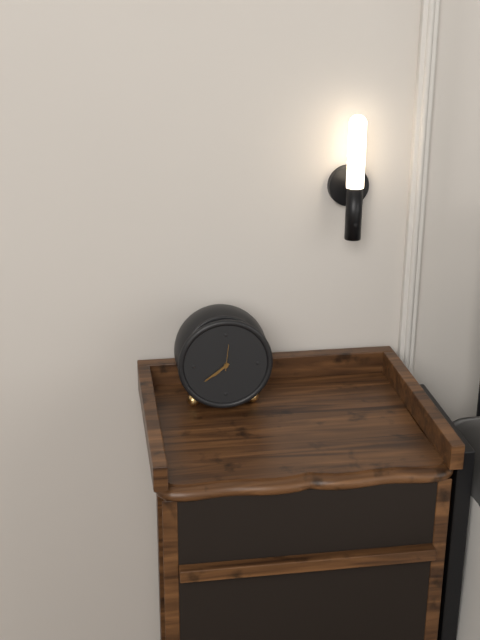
7 h 39 min
